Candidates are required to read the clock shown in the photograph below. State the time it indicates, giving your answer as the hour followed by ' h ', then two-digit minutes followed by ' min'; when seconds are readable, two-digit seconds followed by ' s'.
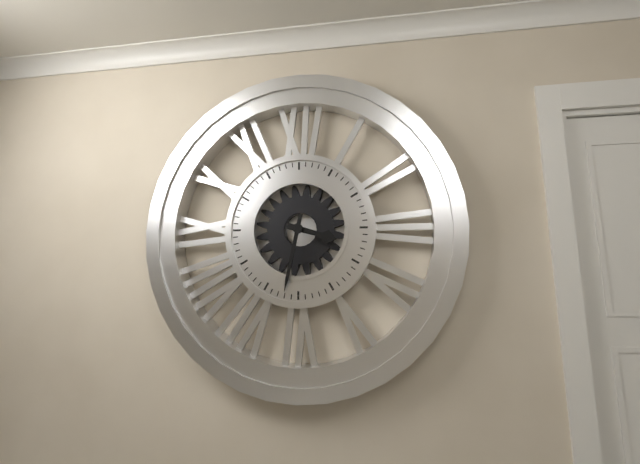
3 h 32 min
